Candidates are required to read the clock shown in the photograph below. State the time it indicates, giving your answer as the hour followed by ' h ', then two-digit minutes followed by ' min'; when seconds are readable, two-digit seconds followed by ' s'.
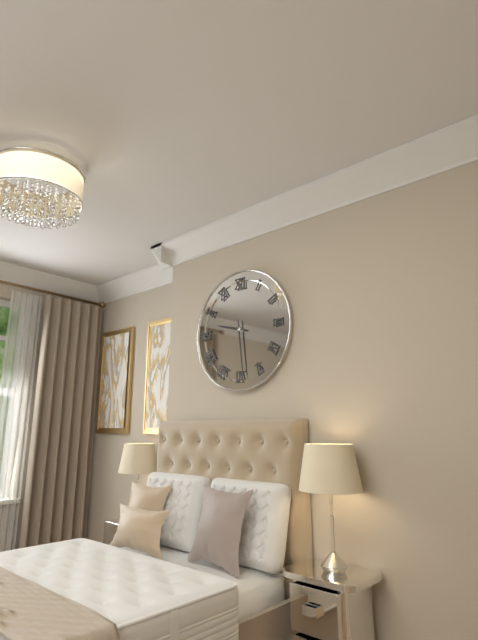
9 h 29 min
